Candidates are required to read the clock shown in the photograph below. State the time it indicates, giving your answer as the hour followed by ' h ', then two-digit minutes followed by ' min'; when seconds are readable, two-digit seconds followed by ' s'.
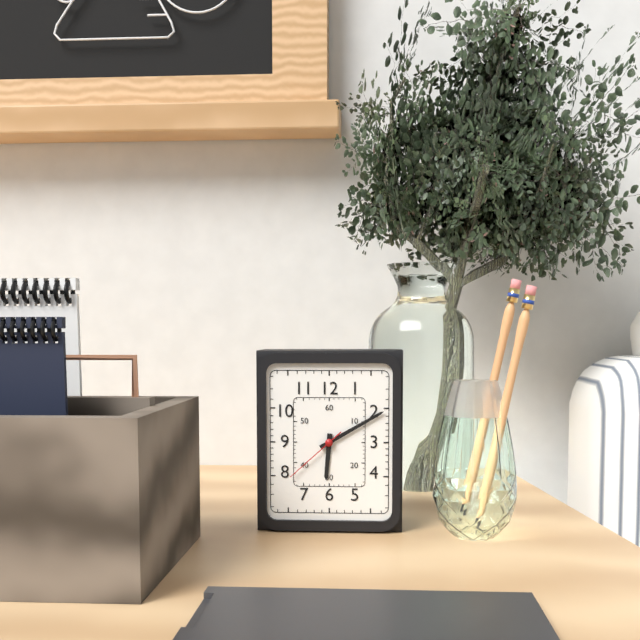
6 h 10 min 38 s
